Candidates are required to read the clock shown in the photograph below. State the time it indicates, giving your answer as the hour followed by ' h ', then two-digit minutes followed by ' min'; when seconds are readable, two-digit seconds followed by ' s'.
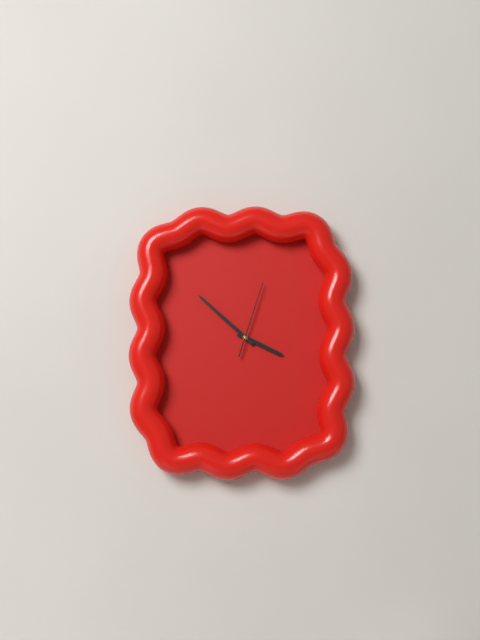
3 h 52 min 03 s
